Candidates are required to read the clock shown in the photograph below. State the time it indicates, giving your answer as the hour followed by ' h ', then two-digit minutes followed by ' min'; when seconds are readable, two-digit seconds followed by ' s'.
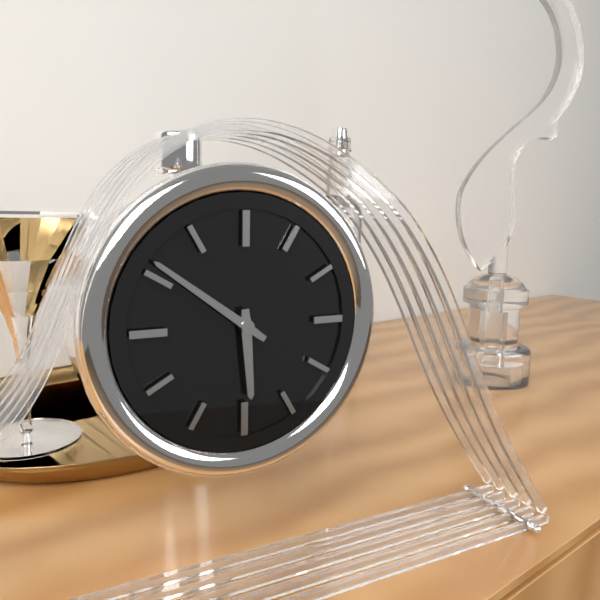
5 h 51 min
